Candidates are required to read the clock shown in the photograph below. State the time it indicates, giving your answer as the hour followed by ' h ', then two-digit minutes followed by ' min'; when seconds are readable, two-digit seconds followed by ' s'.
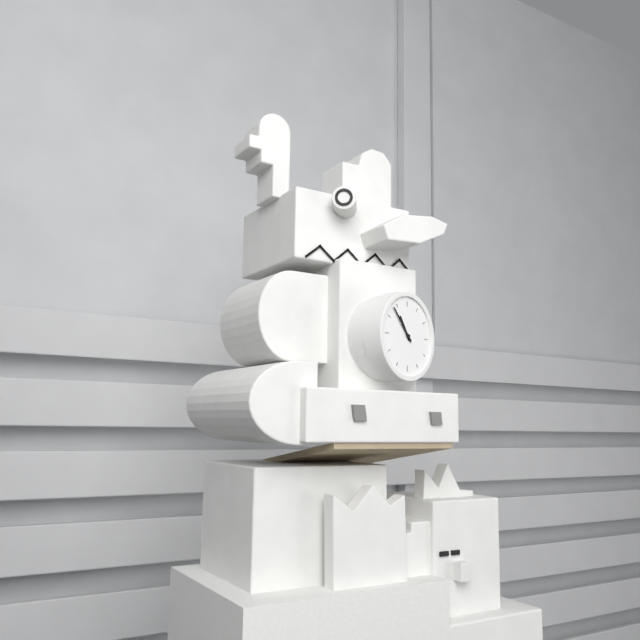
10 h 53 min
